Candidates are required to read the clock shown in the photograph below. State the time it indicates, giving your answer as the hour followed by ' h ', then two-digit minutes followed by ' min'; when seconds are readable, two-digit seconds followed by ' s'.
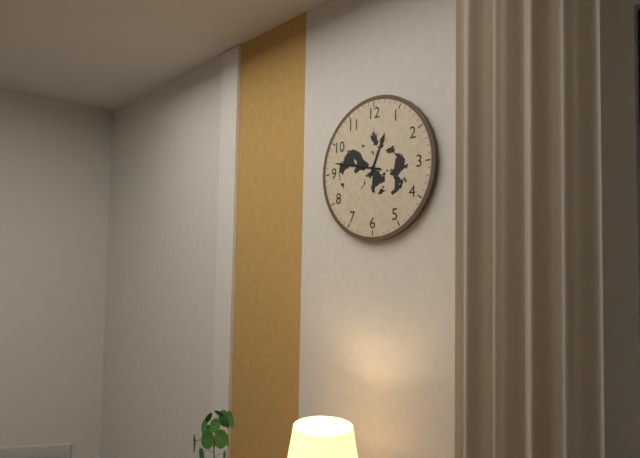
12 h 47 min
